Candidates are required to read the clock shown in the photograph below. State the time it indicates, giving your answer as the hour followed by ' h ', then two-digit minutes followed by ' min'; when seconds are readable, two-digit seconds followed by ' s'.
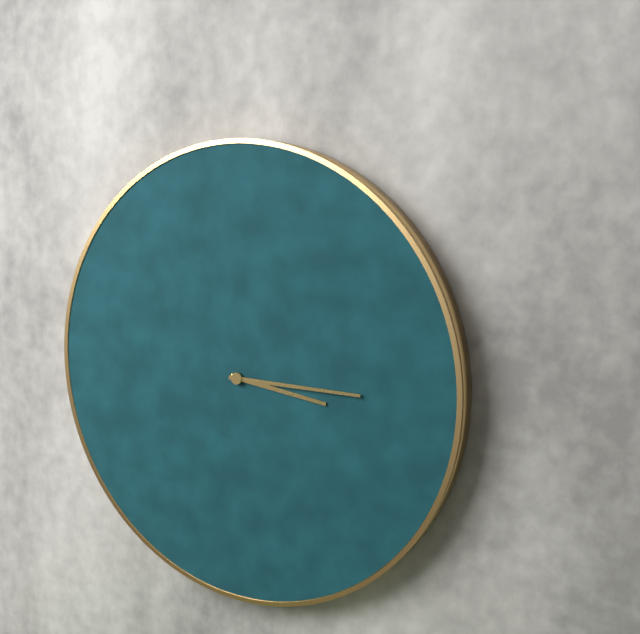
3 h 15 min
